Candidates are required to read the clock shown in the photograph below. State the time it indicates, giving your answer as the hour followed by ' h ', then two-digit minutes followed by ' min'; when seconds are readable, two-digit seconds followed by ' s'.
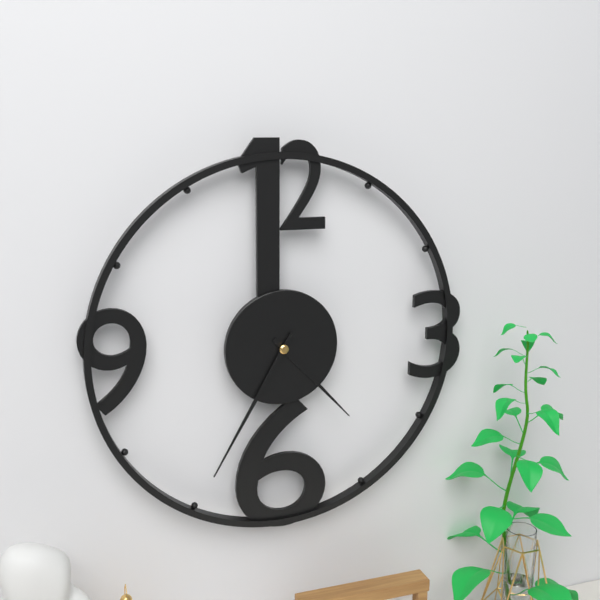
4 h 35 min
